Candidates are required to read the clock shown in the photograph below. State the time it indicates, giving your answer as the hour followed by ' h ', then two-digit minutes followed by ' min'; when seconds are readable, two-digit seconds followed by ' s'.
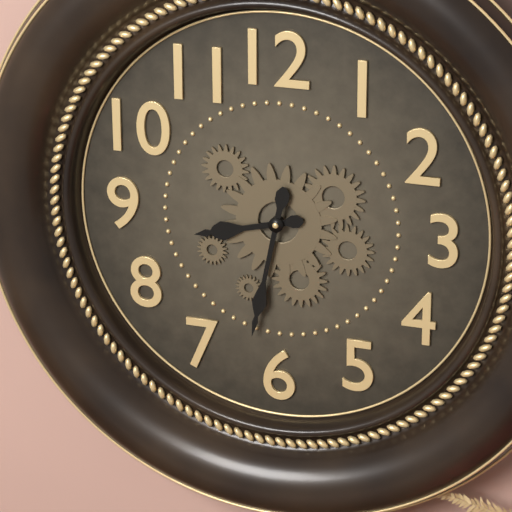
8 h 32 min
